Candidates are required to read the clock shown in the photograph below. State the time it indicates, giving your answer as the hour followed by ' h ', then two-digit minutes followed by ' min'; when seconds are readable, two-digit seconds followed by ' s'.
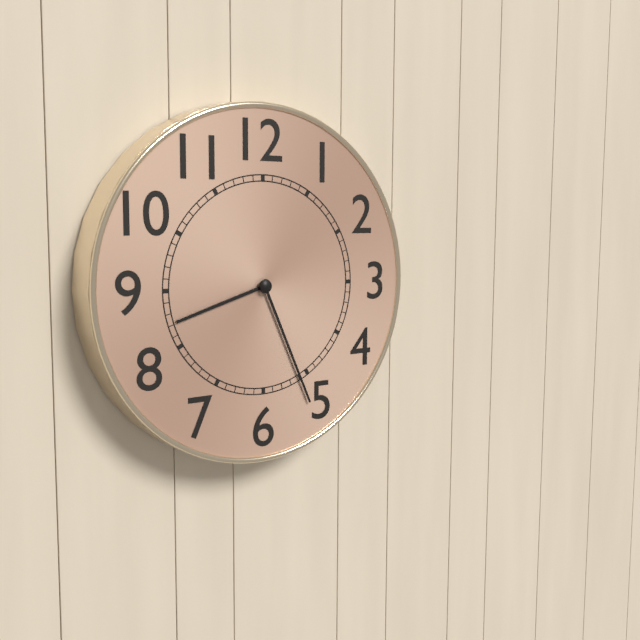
8 h 26 min
